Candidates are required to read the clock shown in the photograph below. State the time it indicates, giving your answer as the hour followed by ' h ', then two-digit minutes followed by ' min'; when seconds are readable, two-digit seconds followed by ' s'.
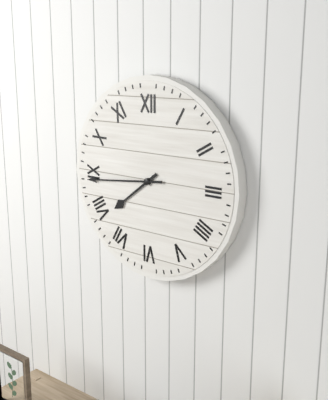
7 h 44 min
